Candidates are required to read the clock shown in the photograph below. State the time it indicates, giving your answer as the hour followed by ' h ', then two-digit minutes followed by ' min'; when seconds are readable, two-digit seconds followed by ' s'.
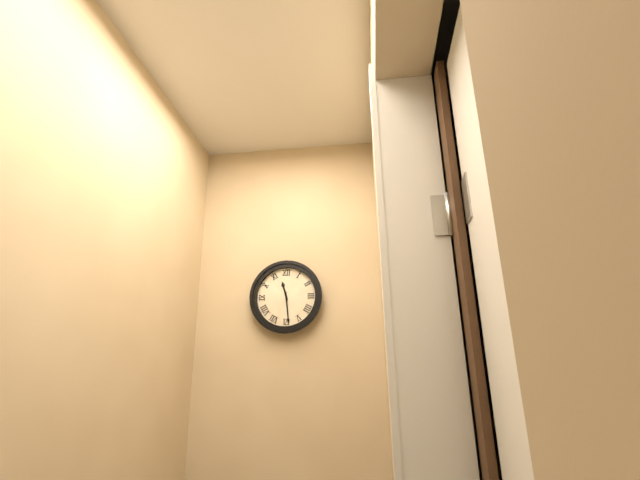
11 h 29 min
